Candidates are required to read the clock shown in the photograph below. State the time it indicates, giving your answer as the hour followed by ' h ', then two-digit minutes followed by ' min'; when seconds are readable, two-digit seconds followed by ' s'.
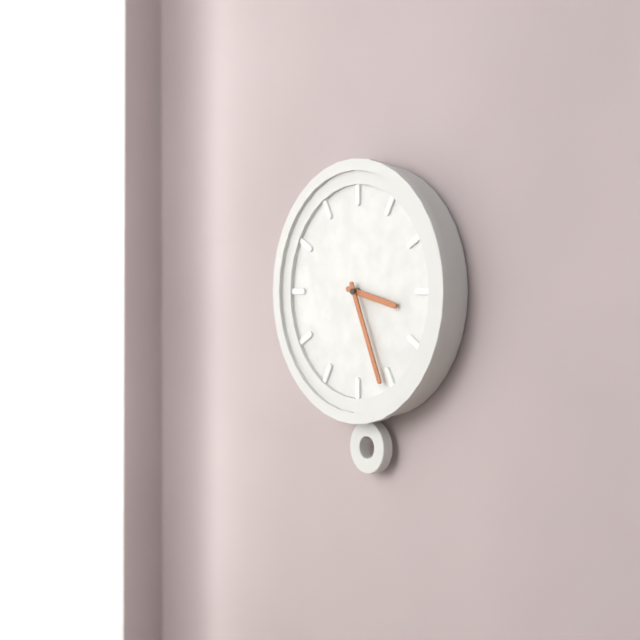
3 h 26 min
